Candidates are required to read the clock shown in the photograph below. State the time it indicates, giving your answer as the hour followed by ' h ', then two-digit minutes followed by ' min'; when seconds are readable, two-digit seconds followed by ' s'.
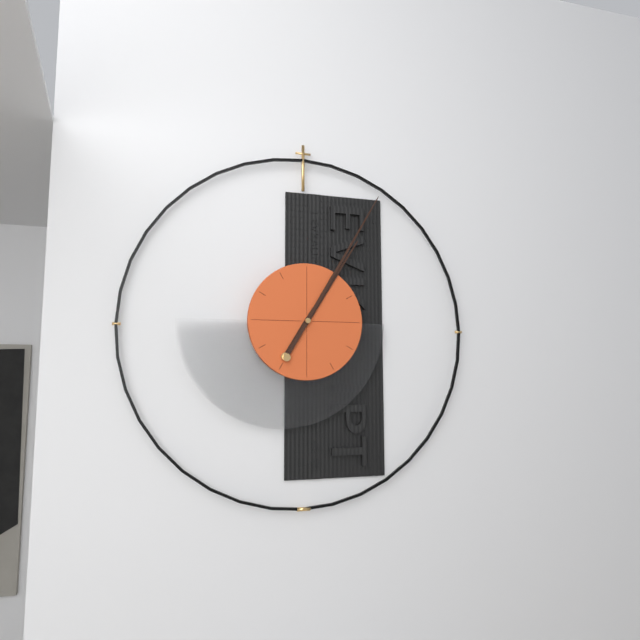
1 h 05 min
